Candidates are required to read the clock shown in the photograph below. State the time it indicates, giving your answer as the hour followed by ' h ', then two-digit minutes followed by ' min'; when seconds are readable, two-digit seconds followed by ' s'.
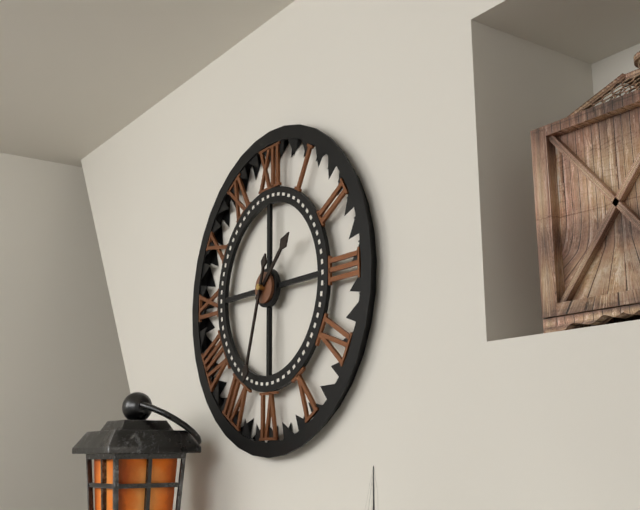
1 h 33 min
